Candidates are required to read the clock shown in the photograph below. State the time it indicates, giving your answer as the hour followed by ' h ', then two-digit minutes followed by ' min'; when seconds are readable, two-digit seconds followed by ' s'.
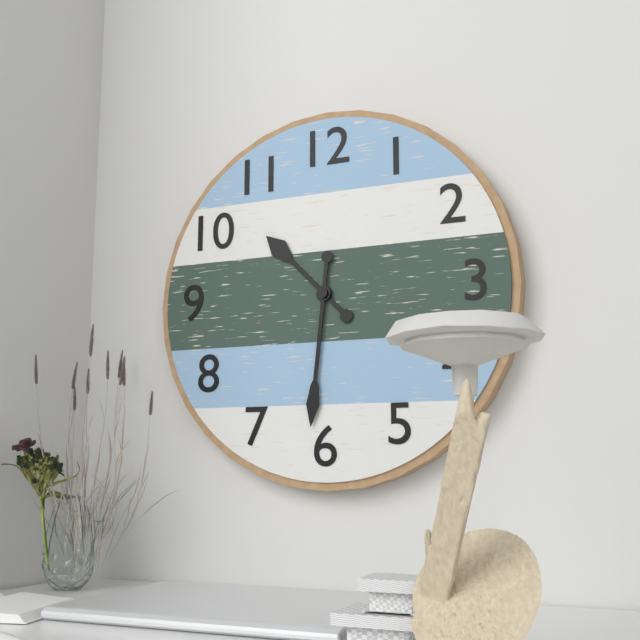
10 h 31 min
